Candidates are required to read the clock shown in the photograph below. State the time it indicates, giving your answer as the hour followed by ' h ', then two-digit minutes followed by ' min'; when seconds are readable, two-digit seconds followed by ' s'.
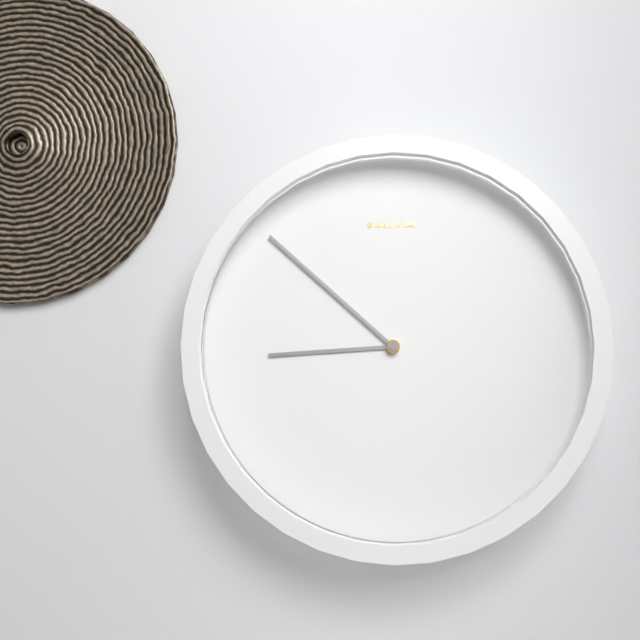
8 h 52 min
